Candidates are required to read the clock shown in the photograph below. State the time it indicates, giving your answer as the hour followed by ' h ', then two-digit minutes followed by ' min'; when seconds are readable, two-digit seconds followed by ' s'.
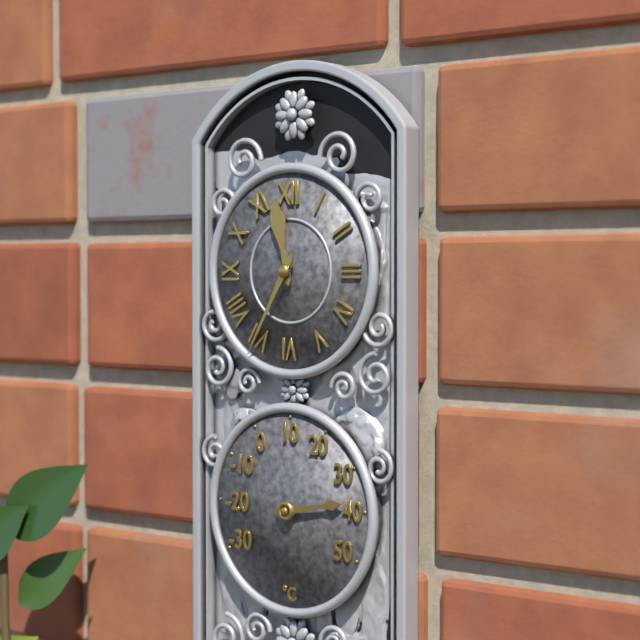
11 h 35 min
